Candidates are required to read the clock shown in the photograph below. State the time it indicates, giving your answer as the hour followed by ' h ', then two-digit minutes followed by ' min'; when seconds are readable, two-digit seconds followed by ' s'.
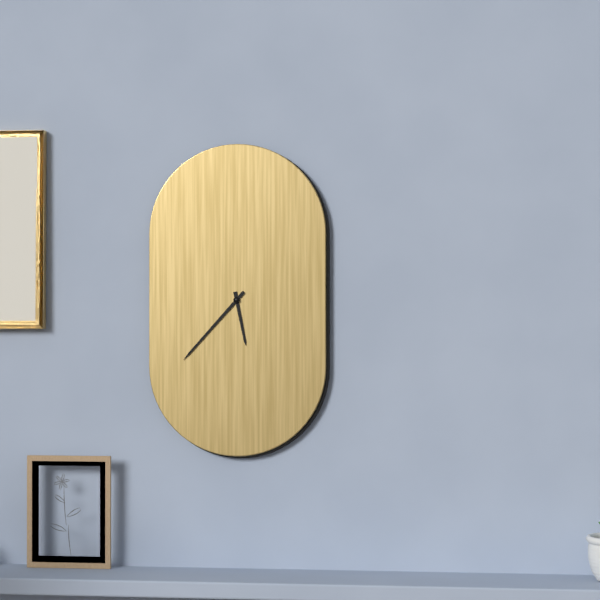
5 h 37 min
